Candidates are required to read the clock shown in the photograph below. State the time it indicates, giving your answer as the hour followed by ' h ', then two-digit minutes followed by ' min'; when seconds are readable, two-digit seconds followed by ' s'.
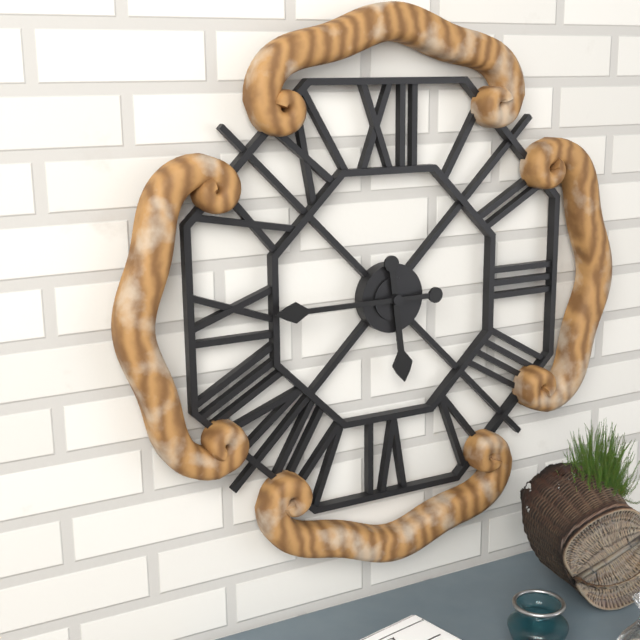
5 h 45 min
